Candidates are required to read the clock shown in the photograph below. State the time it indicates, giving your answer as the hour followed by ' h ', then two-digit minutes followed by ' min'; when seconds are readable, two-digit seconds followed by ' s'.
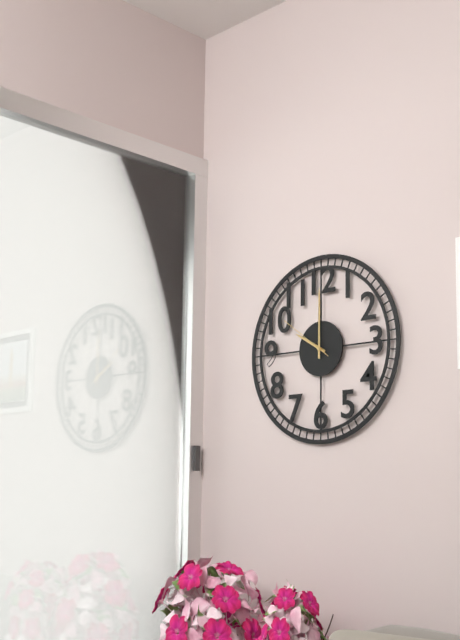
10 h 00 min 51 s
